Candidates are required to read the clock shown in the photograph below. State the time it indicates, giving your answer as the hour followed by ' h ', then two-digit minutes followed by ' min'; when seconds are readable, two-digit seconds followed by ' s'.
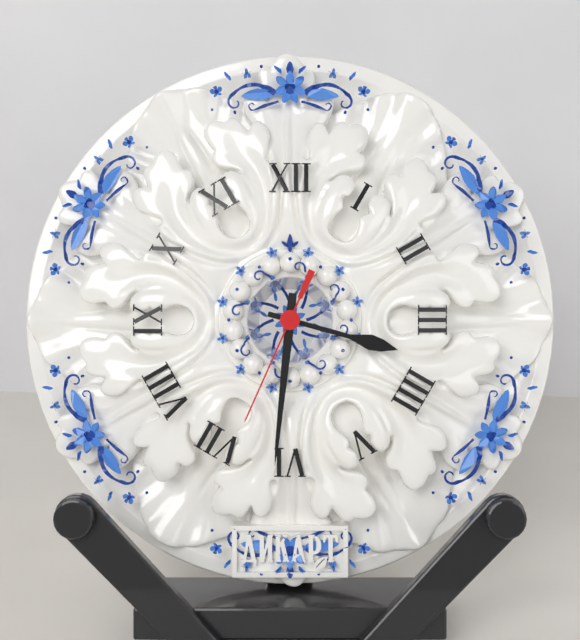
3 h 31 min 34 s
